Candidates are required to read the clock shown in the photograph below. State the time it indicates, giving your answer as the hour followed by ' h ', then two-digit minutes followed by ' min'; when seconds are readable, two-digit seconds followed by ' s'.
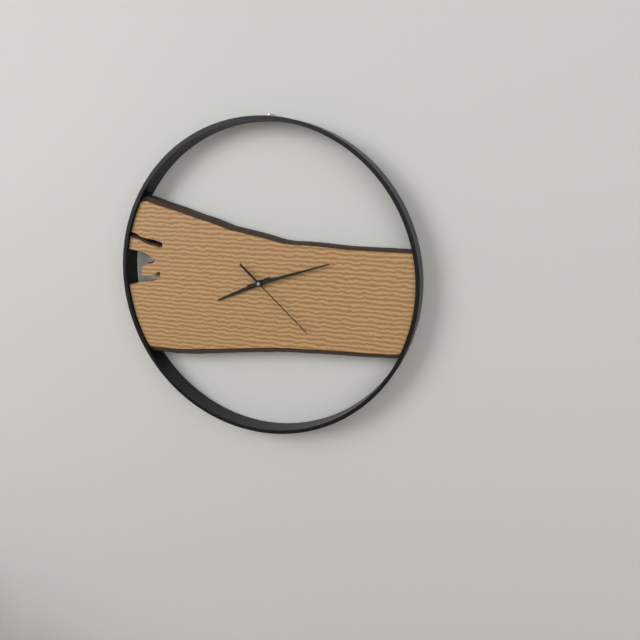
8 h 12 min 22 s
